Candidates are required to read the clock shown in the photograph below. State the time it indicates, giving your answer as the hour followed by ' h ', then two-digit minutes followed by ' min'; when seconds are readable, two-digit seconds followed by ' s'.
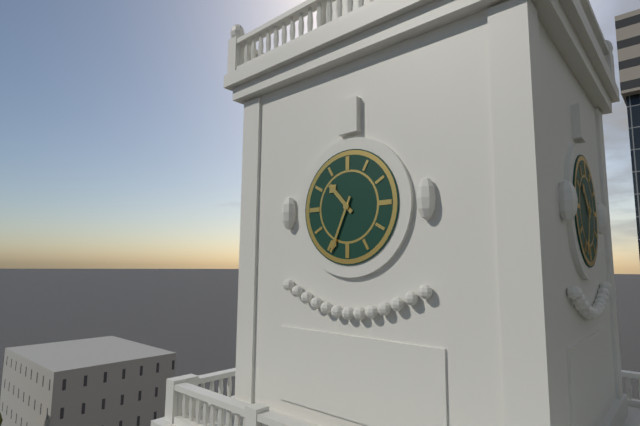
10 h 34 min
